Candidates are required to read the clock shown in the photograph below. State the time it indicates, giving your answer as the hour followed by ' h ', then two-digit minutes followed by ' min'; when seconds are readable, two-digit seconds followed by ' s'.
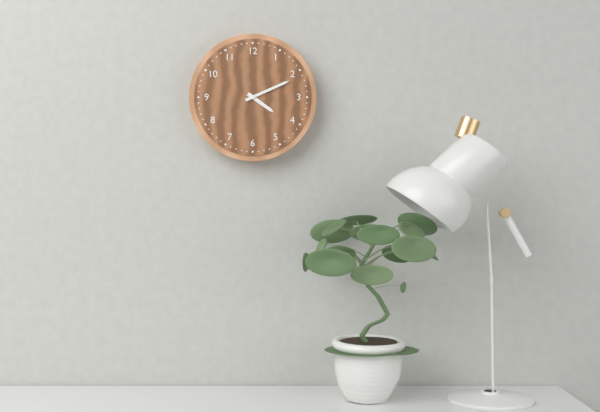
4 h 11 min
